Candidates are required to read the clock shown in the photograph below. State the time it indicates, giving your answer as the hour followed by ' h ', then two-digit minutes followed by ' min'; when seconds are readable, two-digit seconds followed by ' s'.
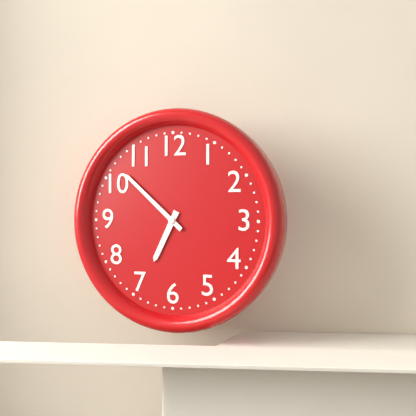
6 h 52 min
